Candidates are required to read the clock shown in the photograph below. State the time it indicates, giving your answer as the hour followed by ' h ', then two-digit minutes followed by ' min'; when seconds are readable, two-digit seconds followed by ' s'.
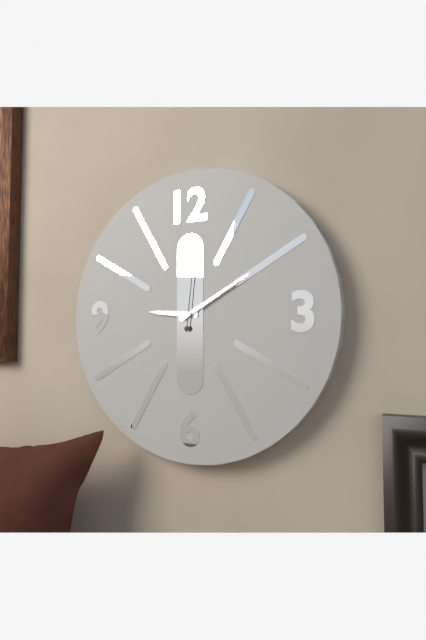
9 h 10 min 01 s
